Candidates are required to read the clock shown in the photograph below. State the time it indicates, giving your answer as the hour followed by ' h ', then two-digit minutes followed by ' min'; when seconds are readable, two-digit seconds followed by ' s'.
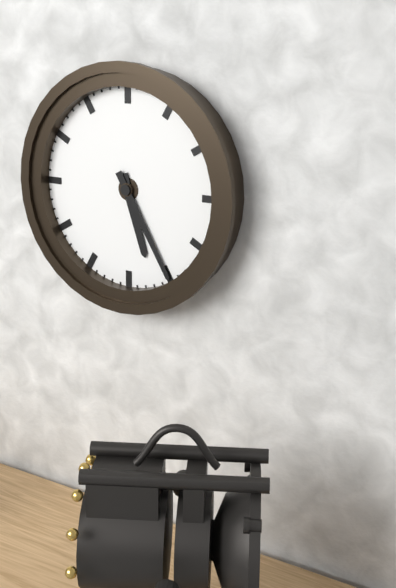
5 h 25 min
